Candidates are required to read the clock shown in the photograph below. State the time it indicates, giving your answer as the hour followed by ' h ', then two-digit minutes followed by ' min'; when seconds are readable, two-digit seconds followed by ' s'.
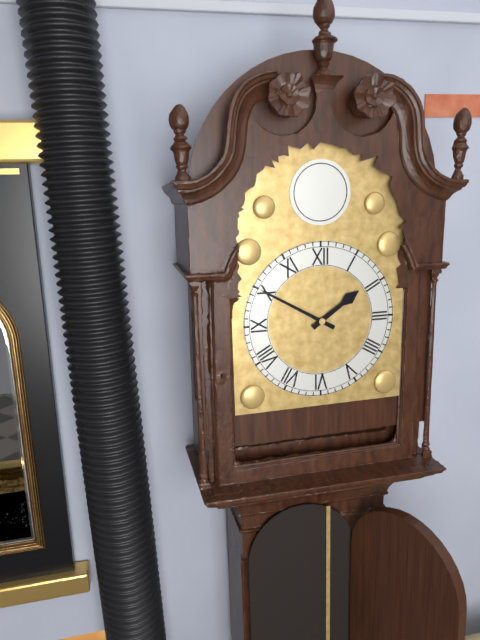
1 h 50 min
